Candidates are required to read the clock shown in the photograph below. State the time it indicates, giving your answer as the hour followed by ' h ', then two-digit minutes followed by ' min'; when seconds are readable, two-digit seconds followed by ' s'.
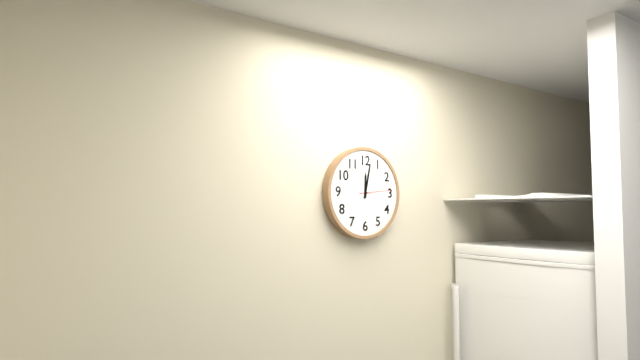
12 h 02 min
